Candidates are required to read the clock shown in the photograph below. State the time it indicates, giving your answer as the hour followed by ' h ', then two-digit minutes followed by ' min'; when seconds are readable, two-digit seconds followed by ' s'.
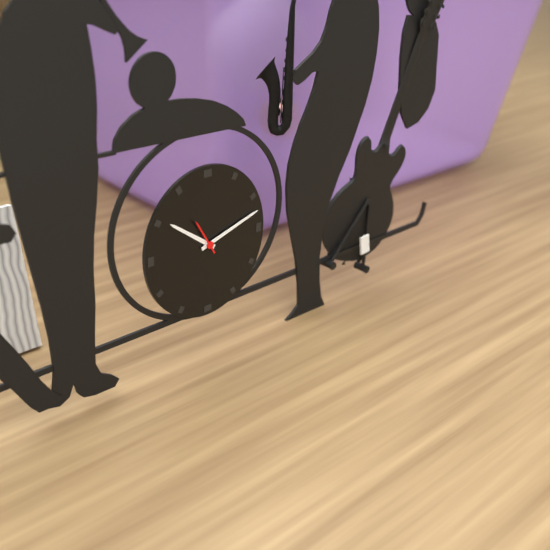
10 h 12 min
